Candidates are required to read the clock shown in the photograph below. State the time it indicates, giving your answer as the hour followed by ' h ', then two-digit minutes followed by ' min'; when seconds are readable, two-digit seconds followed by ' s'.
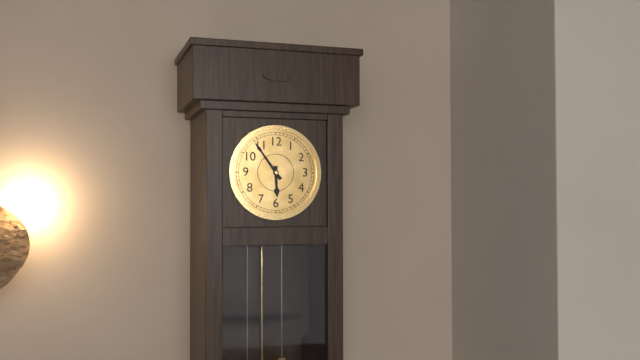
5 h 54 min
